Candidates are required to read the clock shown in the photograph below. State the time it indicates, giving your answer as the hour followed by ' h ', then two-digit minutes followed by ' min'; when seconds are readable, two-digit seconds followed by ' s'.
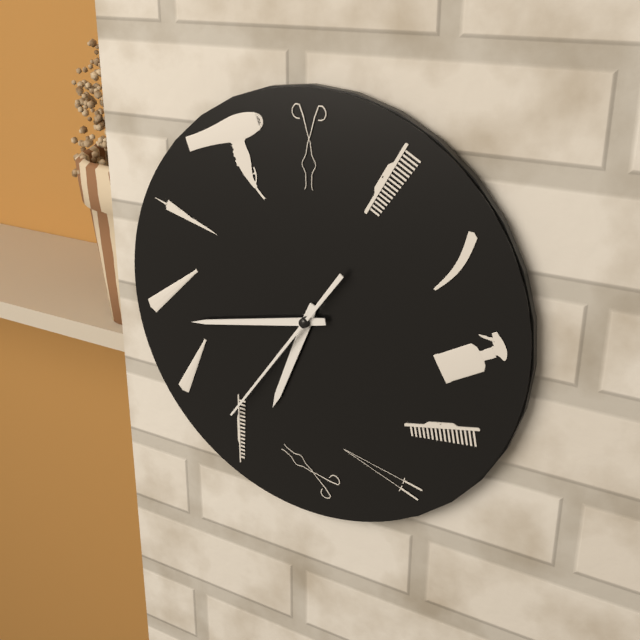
6 h 43 min 36 s
